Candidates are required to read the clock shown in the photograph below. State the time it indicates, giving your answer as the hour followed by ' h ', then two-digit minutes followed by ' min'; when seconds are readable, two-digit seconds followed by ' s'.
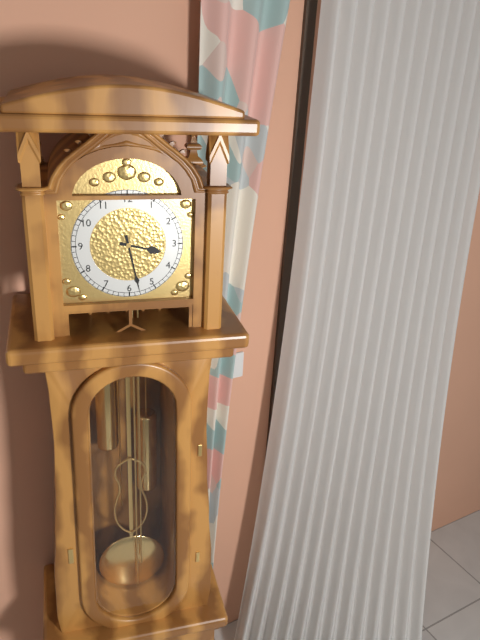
3 h 28 min
